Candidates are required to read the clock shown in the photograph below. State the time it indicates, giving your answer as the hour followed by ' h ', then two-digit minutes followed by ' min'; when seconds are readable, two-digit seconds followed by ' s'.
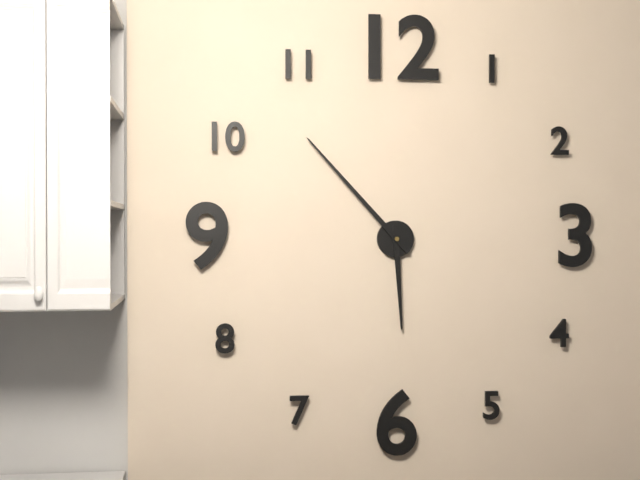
5 h 53 min
